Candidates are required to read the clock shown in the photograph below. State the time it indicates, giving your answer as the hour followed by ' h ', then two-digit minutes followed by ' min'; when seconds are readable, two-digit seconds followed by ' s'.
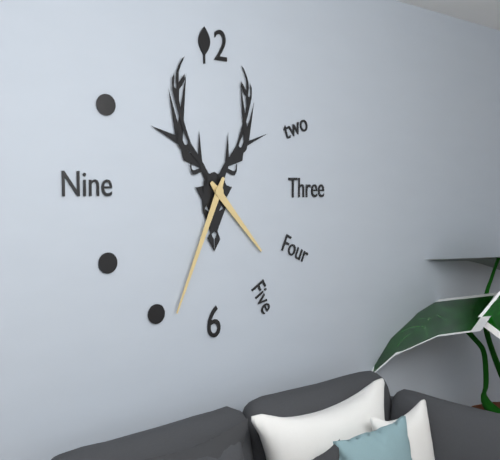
4 h 34 min
